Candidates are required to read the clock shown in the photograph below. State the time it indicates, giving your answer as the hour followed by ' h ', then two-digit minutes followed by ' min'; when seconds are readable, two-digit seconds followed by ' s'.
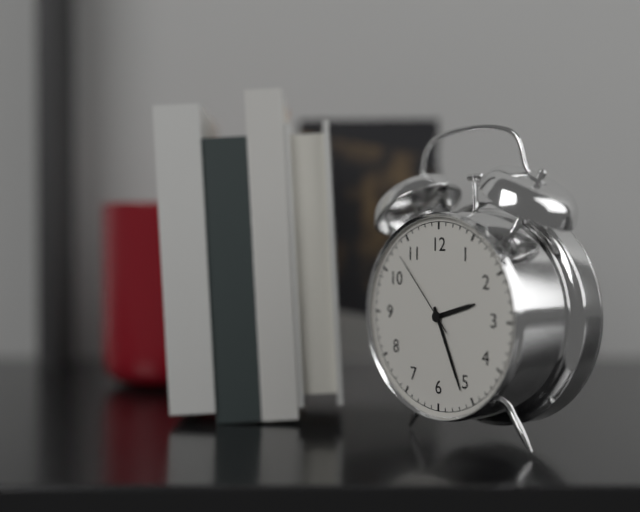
2 h 26 min 53 s
